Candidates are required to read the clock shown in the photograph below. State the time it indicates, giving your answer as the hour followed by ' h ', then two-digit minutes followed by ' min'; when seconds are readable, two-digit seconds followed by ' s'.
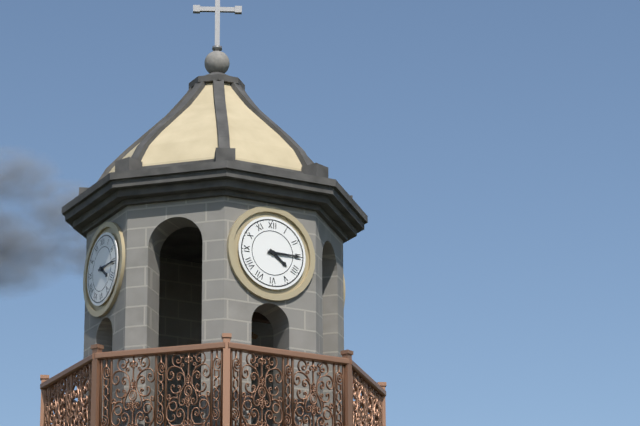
4 h 15 min
